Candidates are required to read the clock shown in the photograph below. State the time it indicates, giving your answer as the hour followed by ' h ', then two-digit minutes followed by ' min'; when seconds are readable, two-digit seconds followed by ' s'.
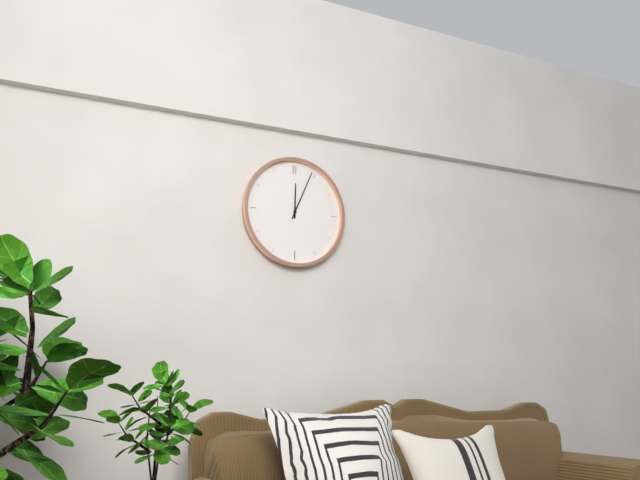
12 h 04 min
